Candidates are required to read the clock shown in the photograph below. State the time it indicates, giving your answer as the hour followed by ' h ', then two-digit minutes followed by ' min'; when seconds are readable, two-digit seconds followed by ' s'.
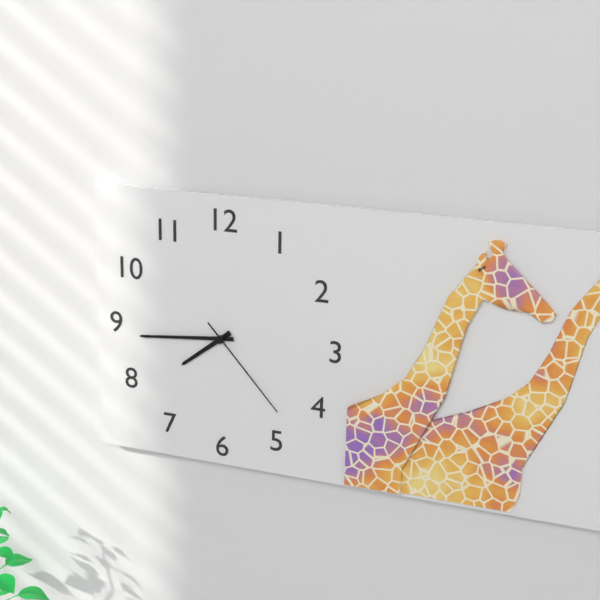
7 h 44 min 23 s
